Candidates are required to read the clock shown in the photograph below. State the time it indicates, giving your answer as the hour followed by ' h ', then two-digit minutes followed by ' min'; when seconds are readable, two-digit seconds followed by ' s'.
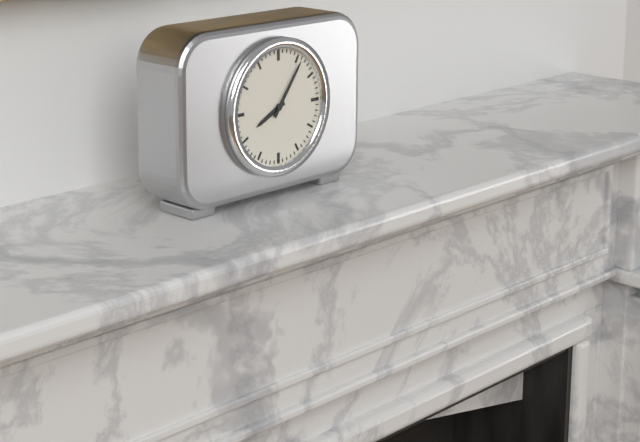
8 h 06 min
